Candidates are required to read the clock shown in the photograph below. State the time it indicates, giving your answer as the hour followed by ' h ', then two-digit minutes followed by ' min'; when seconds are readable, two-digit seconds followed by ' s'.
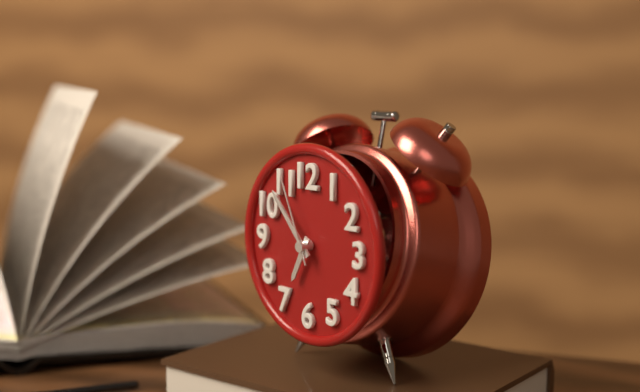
6 h 53 min 56 s
